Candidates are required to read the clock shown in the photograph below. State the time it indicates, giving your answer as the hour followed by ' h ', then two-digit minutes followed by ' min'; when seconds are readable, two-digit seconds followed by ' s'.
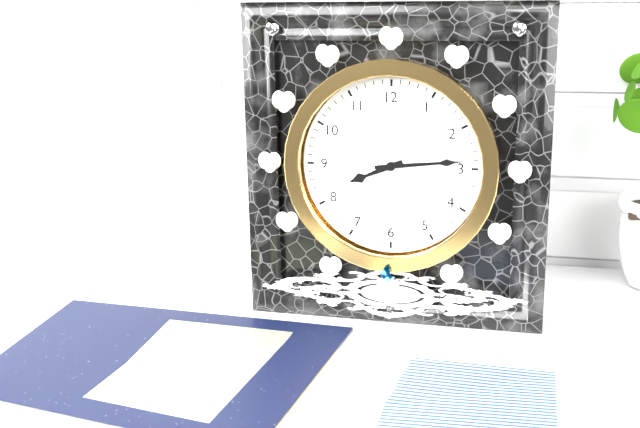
8 h 14 min
